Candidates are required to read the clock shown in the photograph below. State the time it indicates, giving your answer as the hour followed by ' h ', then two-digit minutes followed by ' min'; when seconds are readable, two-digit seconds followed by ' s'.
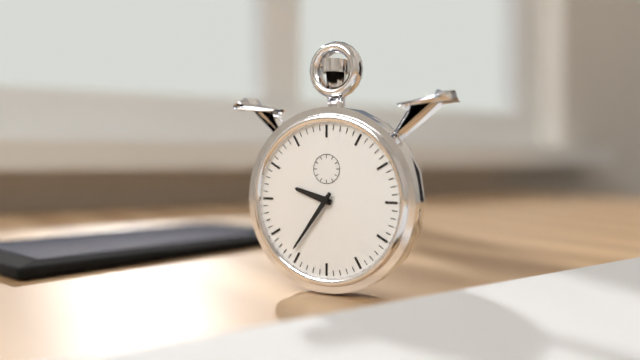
9 h 36 min
